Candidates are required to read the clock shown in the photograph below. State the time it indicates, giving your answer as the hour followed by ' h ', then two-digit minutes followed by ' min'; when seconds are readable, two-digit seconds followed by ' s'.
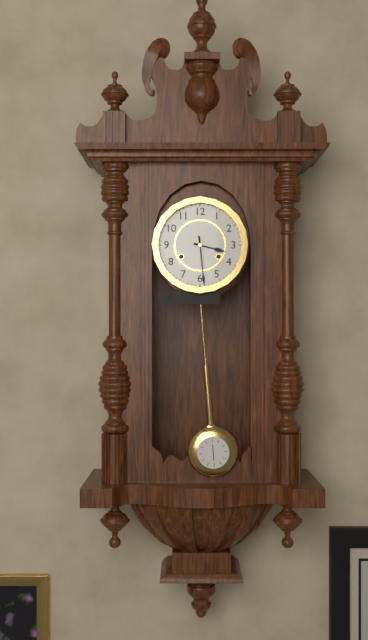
3 h 29 min
